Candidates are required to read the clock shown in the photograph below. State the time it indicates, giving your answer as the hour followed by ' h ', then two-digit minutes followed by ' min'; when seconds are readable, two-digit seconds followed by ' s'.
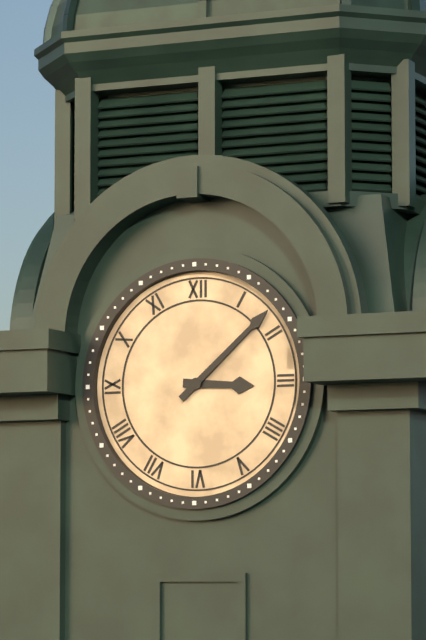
3 h 08 min
